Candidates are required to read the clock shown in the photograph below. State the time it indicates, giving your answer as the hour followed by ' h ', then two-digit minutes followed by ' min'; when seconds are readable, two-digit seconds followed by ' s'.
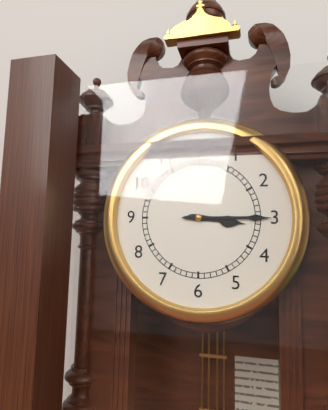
3 h 15 min
